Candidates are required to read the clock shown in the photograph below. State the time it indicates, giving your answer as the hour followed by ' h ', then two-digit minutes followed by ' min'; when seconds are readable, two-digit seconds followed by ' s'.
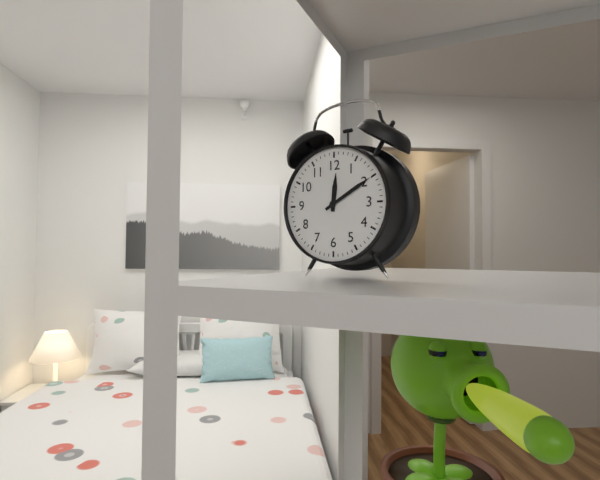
12 h 10 min
